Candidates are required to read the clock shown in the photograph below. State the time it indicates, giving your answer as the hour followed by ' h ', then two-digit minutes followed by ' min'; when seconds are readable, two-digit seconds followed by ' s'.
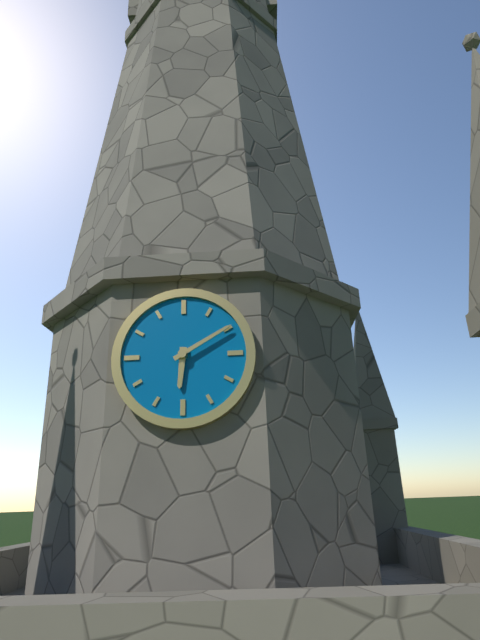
6 h 10 min
